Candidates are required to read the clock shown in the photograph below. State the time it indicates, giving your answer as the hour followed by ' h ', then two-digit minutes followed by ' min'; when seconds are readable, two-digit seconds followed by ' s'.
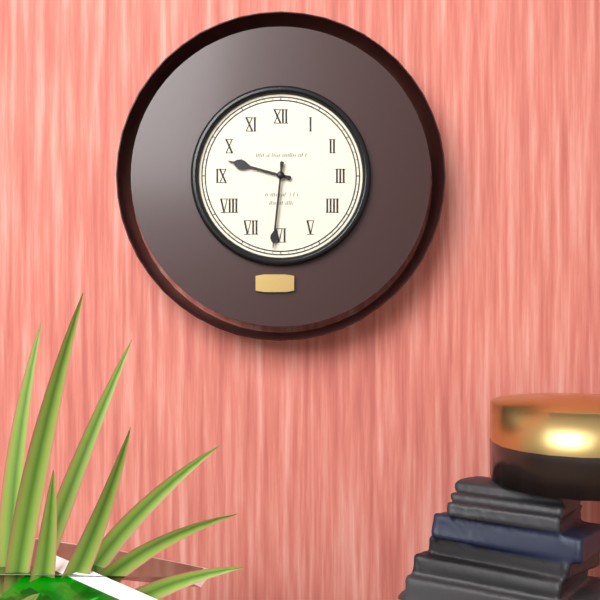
9 h 31 min
